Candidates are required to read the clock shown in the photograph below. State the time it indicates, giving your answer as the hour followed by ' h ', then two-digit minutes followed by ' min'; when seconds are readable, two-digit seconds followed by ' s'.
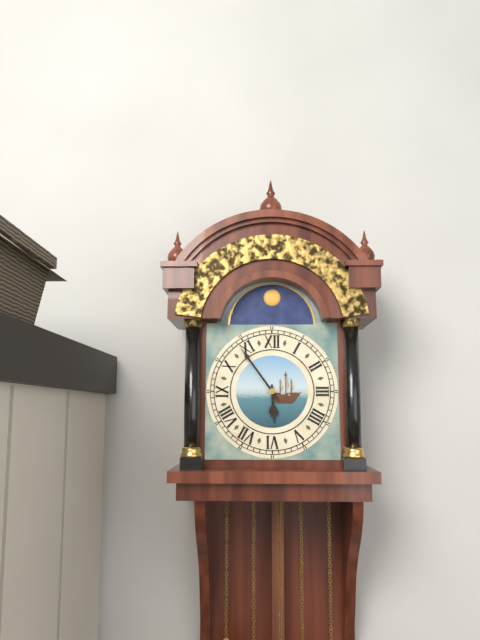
5 h 54 min
